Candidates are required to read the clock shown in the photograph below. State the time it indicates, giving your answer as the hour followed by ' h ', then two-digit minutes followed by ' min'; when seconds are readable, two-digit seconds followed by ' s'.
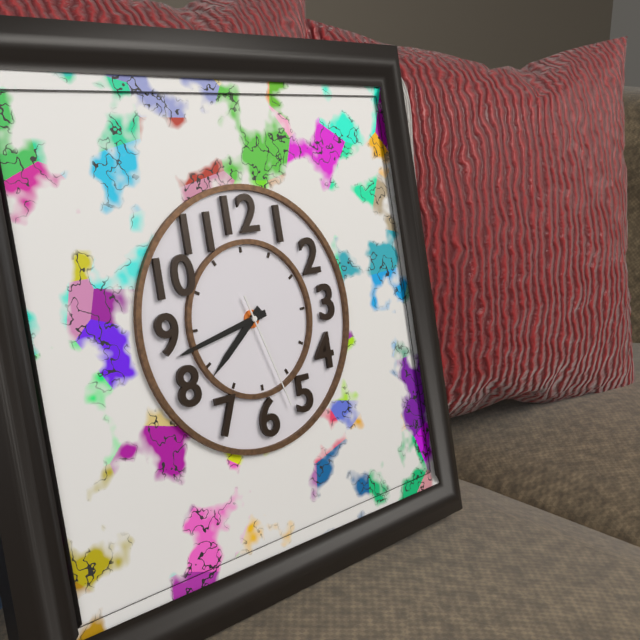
7 h 43 min 27 s
